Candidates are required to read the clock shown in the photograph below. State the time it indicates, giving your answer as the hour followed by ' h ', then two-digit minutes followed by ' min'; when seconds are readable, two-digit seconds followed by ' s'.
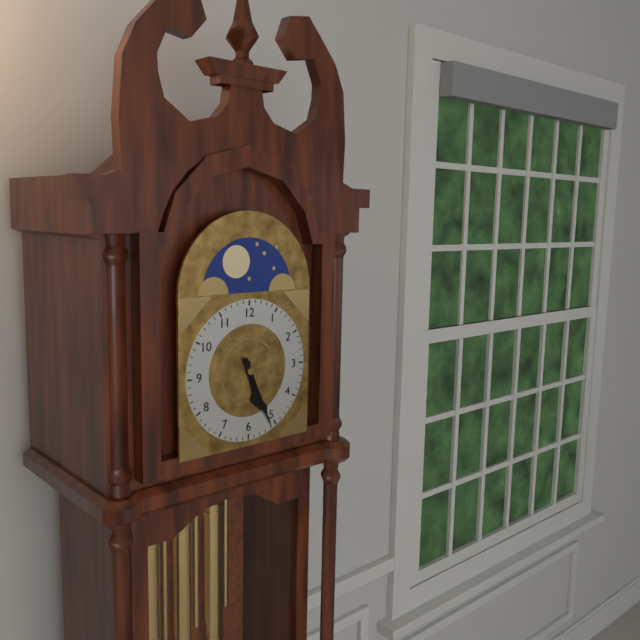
5 h 26 min
